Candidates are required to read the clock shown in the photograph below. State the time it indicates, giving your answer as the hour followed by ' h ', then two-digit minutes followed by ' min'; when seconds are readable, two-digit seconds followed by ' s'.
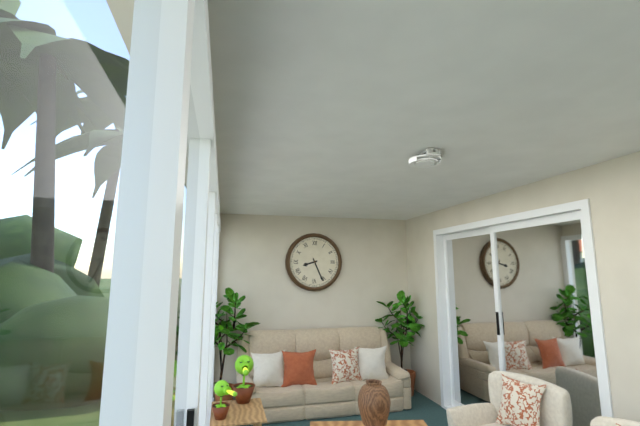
8 h 26 min
